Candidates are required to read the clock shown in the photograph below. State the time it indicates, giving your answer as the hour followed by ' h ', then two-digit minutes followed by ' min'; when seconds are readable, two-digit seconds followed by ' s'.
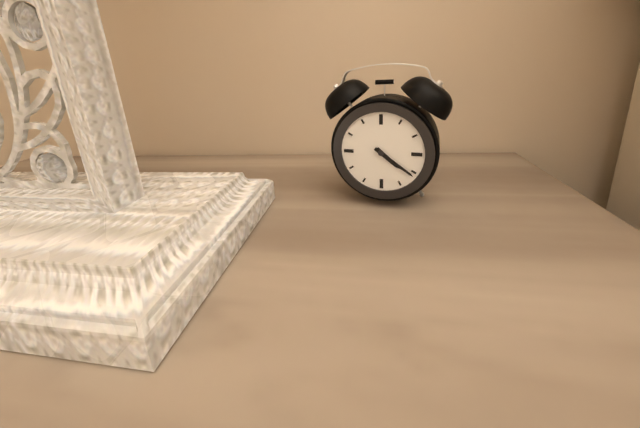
4 h 21 min
